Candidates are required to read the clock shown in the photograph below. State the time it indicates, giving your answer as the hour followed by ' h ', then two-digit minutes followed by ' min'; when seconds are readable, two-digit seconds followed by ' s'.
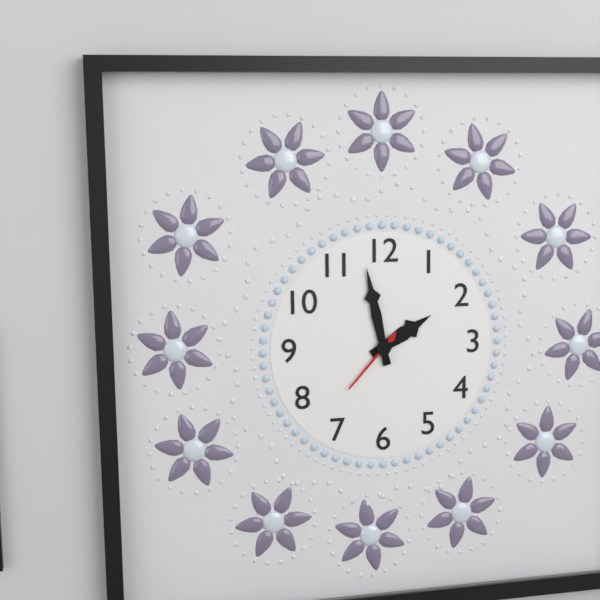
1 h 58 min 37 s
